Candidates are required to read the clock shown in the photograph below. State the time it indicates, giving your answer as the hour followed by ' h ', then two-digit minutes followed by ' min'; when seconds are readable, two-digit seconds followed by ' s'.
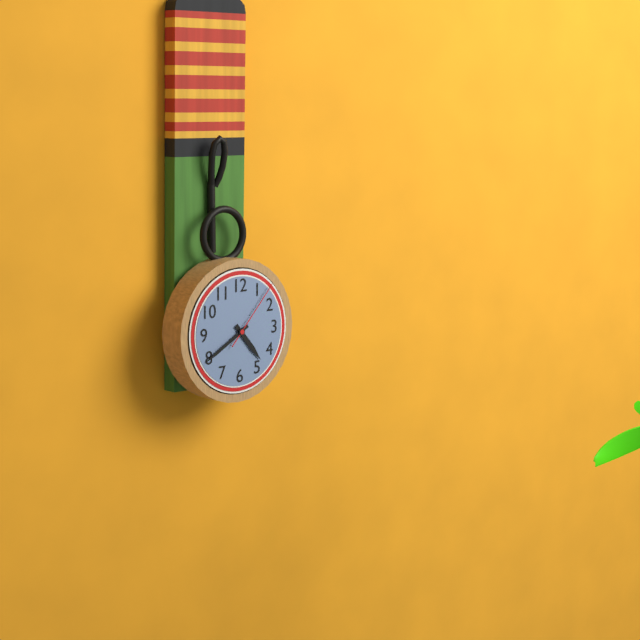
4 h 40 min 07 s
